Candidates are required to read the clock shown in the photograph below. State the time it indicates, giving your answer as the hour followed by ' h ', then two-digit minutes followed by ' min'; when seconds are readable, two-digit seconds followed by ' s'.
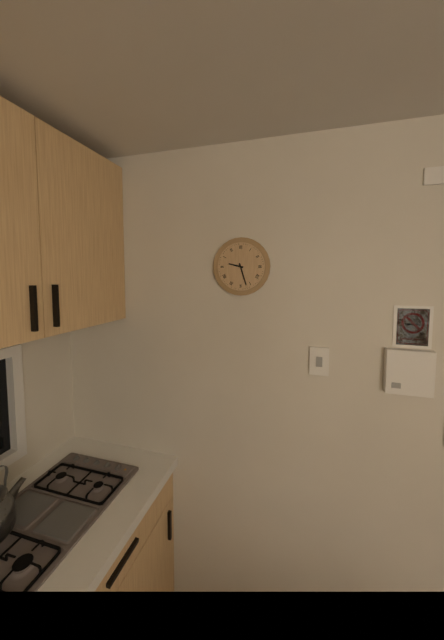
9 h 27 min
